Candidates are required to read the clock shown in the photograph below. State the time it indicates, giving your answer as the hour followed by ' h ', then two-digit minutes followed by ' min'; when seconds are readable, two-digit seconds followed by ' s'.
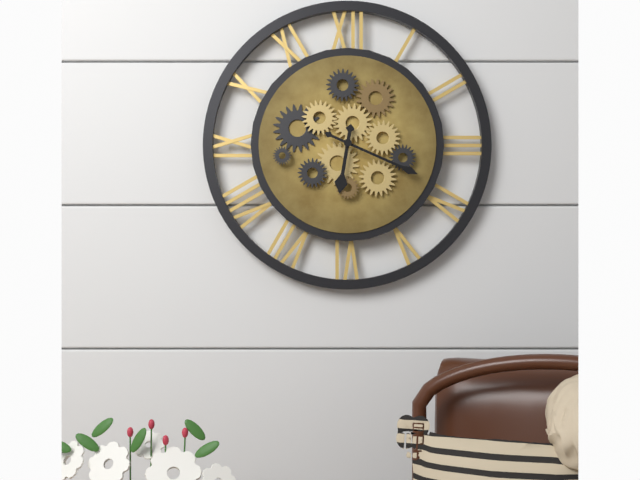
6 h 19 min
